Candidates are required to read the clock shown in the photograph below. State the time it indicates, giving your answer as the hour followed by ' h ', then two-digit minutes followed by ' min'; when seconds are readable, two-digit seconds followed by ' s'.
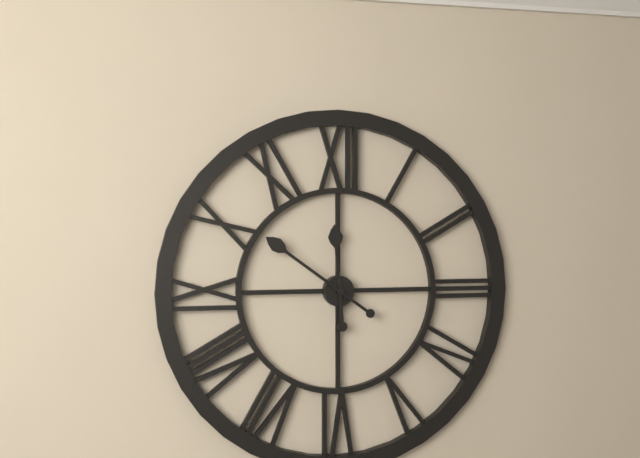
11 h 51 min
